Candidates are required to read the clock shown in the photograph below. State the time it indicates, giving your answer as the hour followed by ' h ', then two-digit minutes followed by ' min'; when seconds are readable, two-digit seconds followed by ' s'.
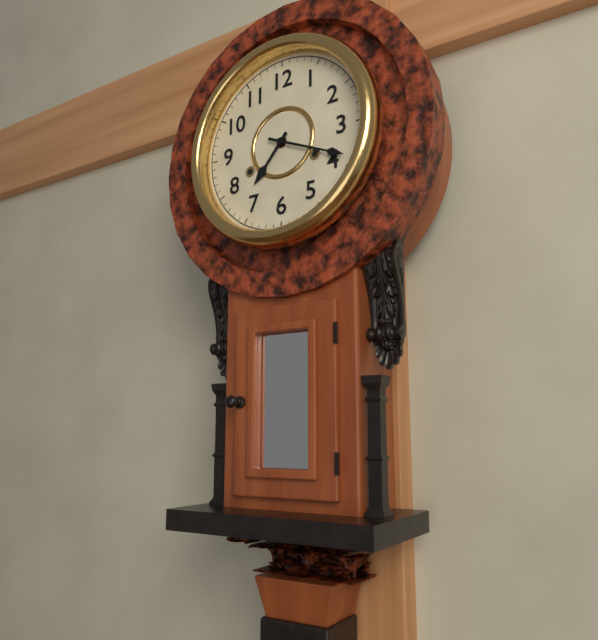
7 h 19 min
